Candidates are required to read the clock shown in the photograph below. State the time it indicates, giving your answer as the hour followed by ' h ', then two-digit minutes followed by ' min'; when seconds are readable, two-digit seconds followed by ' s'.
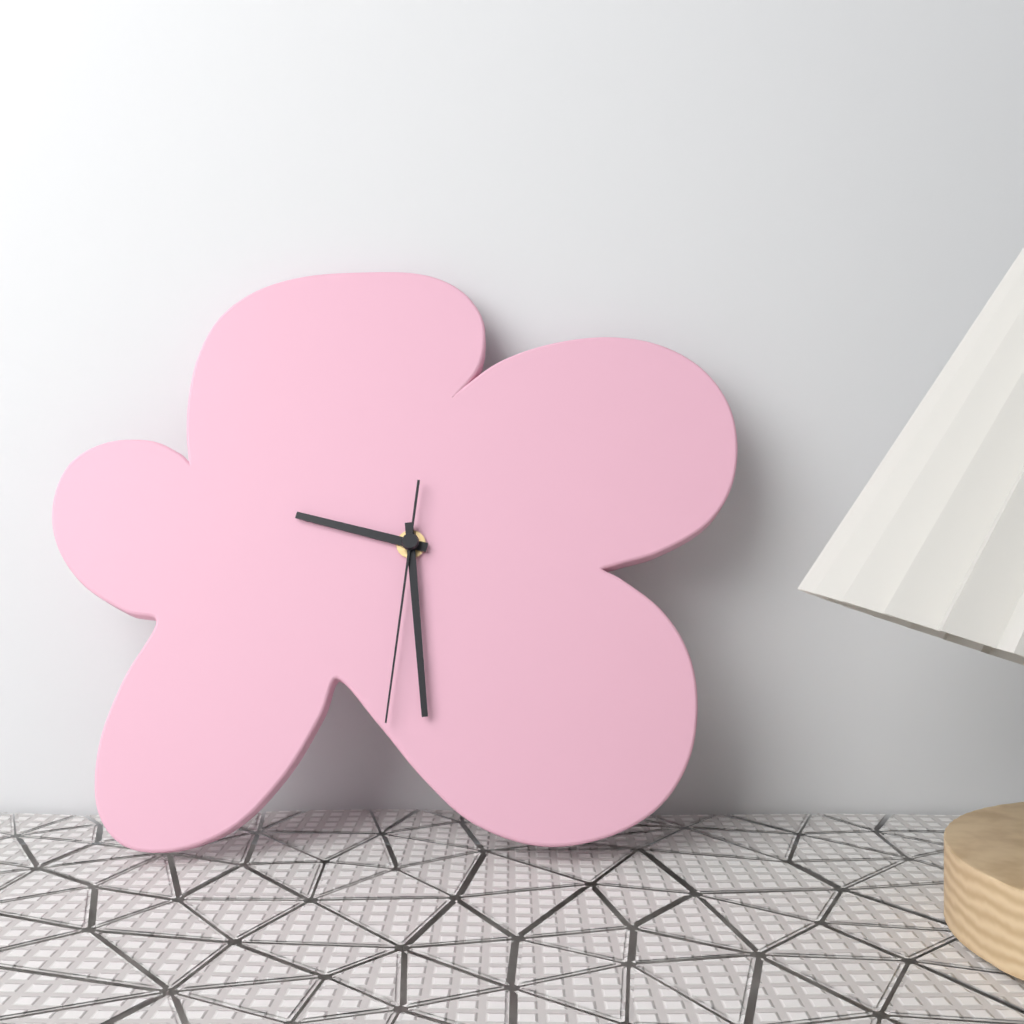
9 h 29 min 31 s
